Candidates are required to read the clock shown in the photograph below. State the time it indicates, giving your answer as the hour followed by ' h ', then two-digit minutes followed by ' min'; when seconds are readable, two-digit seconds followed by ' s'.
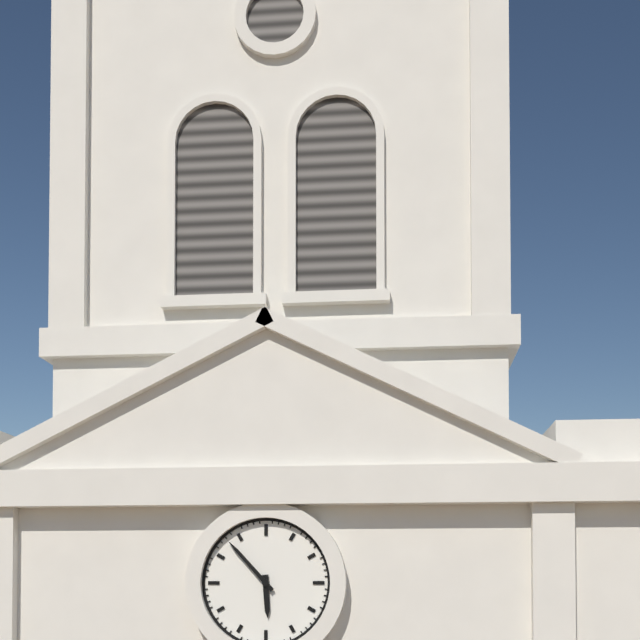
5 h 53 min
